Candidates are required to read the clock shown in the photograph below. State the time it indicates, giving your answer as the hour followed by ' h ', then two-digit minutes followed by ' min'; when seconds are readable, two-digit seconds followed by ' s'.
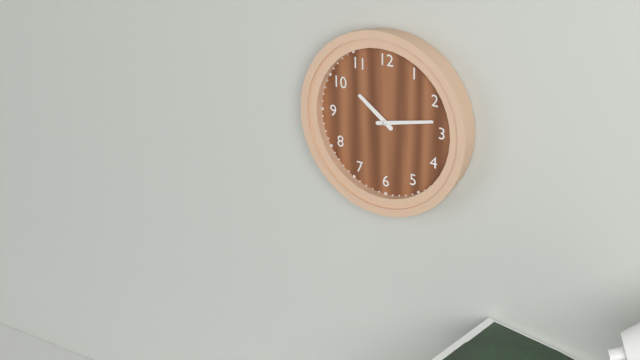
10 h 13 min
